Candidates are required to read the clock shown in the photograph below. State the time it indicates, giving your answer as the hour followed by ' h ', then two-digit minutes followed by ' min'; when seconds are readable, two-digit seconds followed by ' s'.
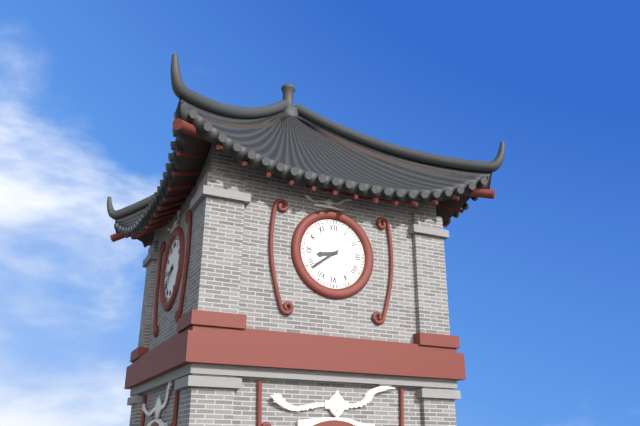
8 h 39 min
